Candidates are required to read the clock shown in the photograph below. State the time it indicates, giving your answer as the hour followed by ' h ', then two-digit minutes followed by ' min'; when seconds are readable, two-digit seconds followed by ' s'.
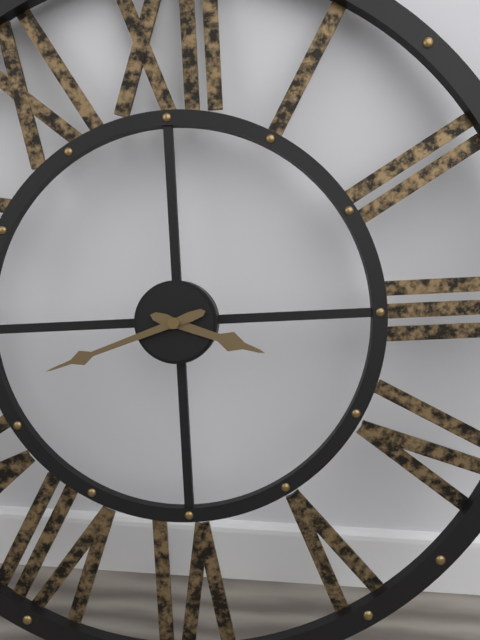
3 h 42 min
